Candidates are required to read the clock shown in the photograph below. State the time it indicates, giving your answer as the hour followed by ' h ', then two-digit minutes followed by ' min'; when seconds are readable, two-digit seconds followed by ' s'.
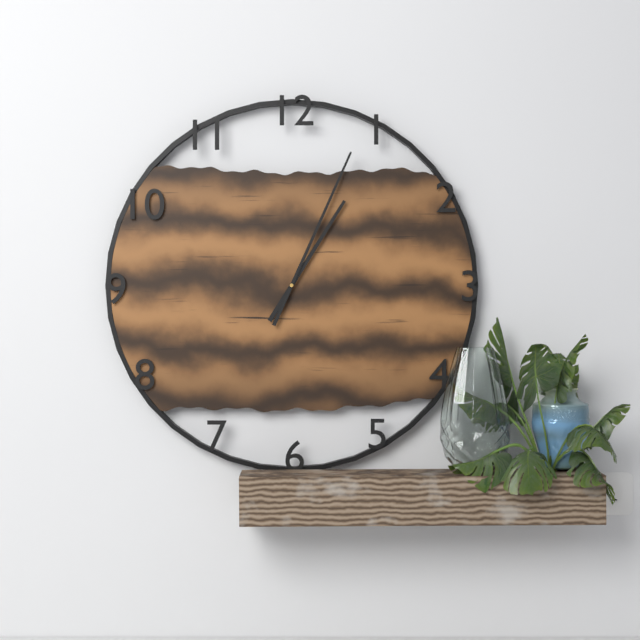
1 h 04 min
